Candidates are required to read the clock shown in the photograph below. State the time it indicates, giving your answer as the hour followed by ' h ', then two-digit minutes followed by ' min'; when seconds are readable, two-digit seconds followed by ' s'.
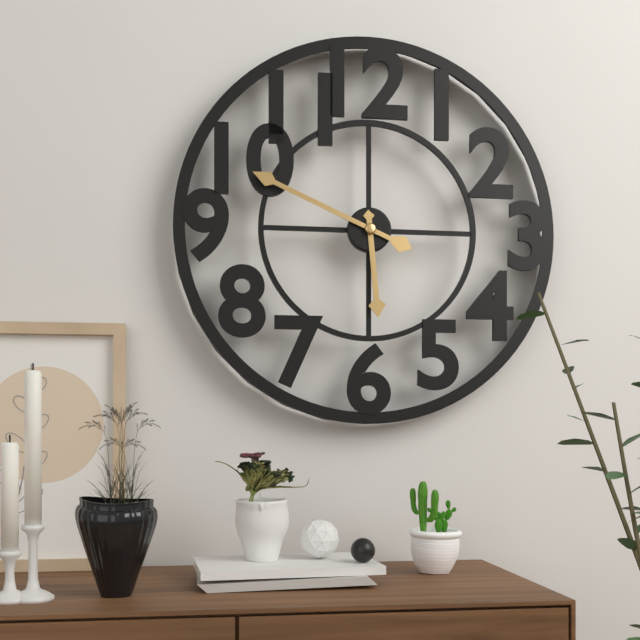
5 h 49 min
